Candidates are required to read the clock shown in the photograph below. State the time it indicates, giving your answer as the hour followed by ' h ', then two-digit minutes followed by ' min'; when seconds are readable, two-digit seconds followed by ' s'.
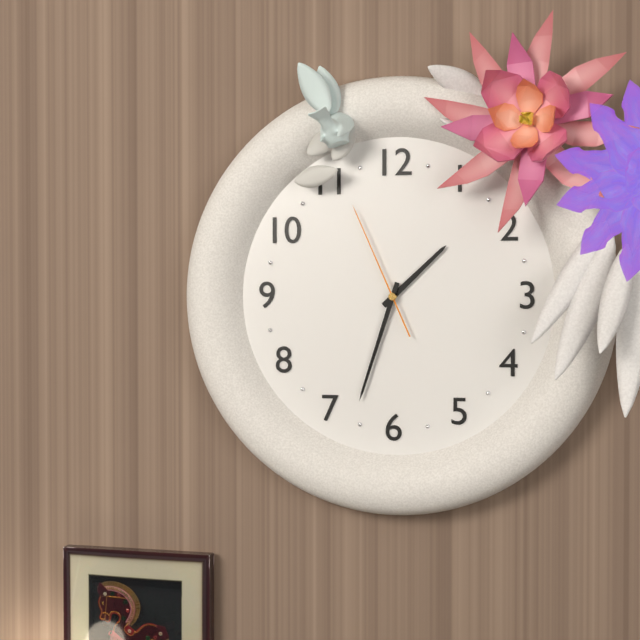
1 h 33 min 56 s
